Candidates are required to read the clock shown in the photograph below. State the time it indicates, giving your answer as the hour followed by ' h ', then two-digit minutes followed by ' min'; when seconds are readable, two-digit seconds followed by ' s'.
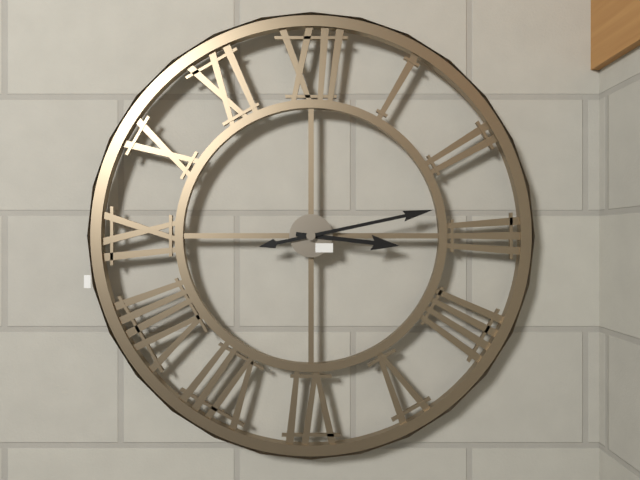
3 h 13 min
